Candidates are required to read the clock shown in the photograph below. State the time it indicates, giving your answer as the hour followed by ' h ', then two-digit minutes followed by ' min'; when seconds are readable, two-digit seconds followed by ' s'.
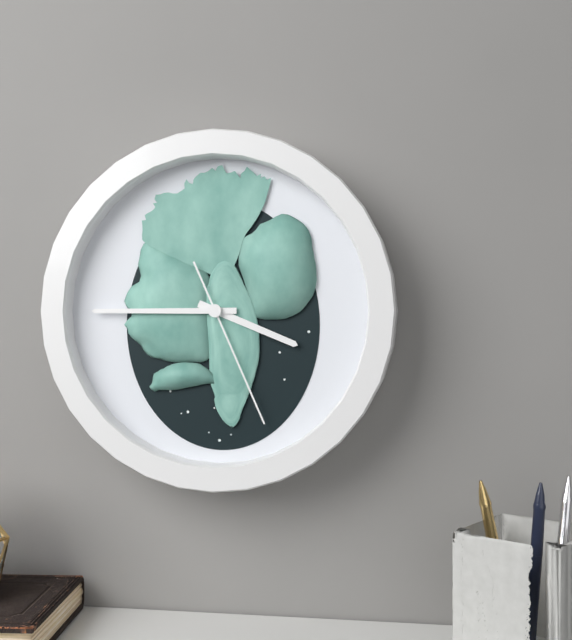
3 h 45 min 26 s
